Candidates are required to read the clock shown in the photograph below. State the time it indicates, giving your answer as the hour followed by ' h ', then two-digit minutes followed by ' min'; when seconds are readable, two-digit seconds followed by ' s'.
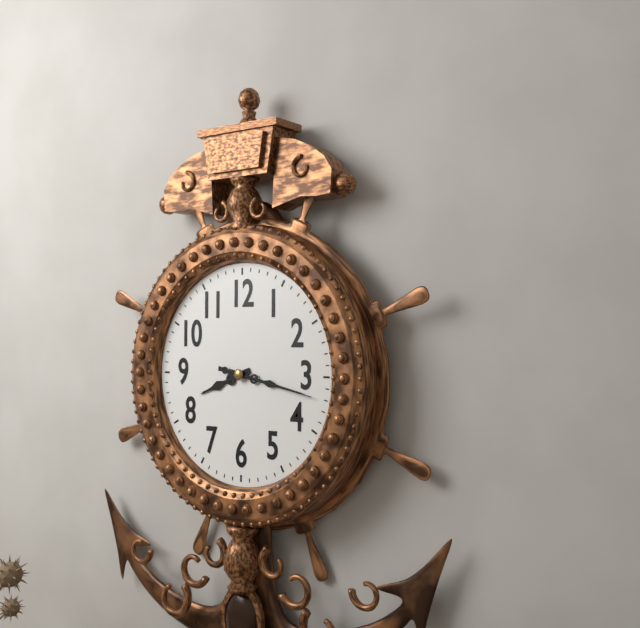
8 h 17 min 17 s
